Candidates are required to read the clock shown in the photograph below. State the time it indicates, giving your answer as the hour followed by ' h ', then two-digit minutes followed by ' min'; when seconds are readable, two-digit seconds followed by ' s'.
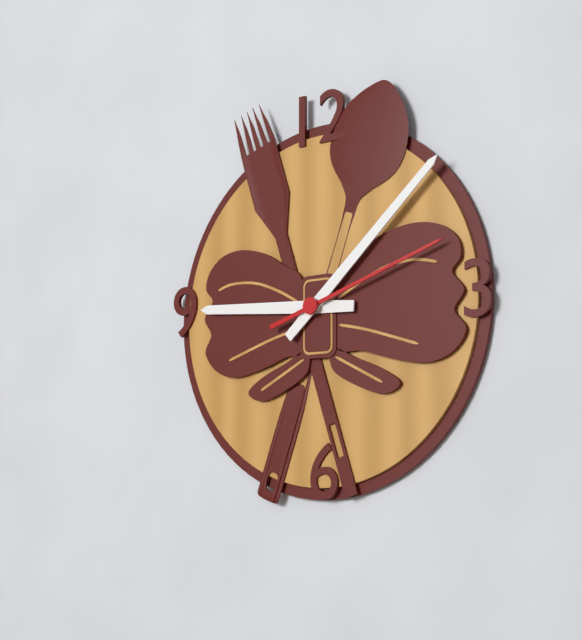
9 h 08 min 12 s
